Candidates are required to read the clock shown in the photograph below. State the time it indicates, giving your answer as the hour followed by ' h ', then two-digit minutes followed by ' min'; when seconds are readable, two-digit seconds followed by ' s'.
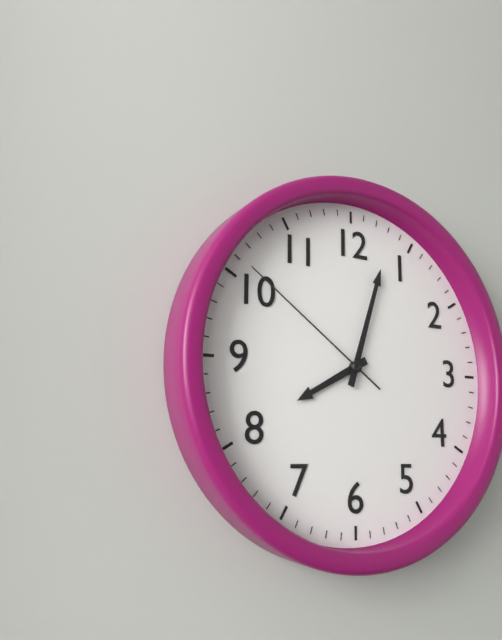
8 h 03 min 51 s
